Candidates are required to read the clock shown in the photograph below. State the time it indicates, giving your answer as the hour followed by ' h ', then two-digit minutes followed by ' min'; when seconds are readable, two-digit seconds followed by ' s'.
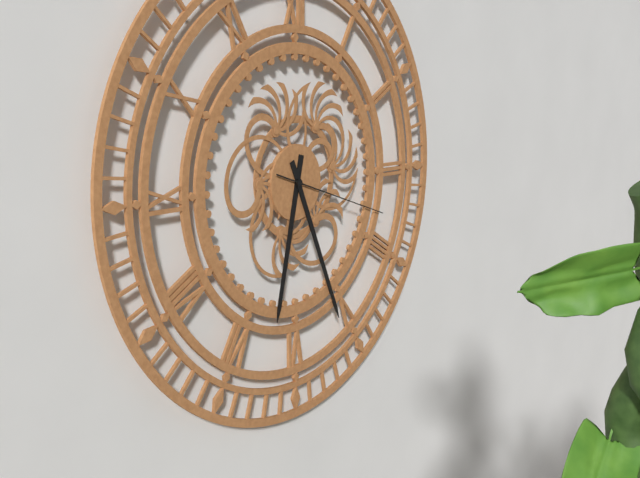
6 h 26 min 18 s
